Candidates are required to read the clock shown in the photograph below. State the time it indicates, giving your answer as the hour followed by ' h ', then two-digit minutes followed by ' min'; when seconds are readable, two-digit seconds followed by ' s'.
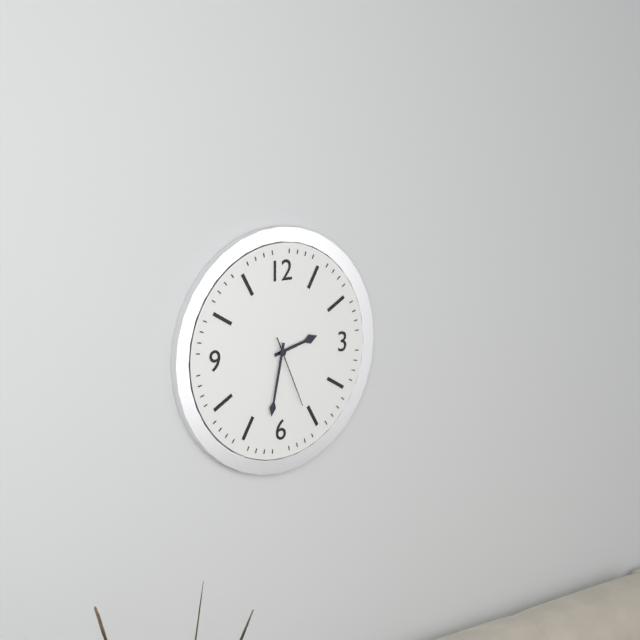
2 h 32 min 26 s
